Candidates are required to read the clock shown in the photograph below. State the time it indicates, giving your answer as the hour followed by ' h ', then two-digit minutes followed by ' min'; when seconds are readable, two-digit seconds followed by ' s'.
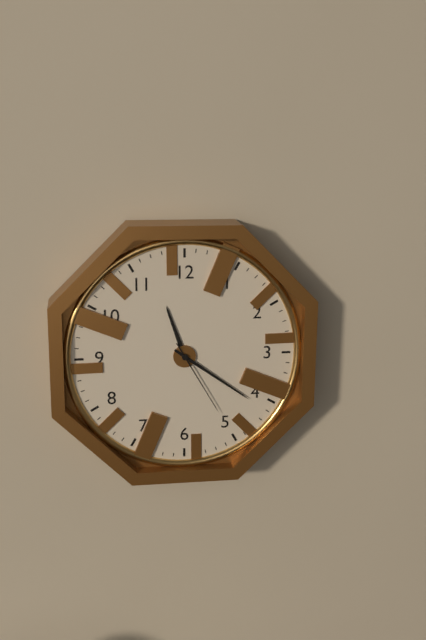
11 h 21 min 25 s
